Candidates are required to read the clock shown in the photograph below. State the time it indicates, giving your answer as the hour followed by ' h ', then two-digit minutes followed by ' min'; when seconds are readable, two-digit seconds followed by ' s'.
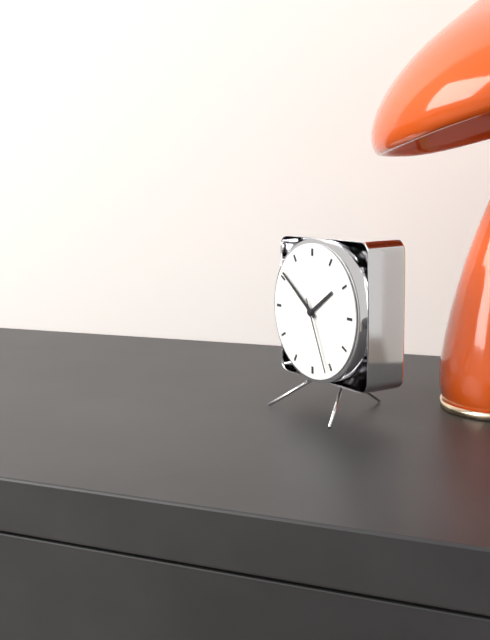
1 h 51 min 26 s
